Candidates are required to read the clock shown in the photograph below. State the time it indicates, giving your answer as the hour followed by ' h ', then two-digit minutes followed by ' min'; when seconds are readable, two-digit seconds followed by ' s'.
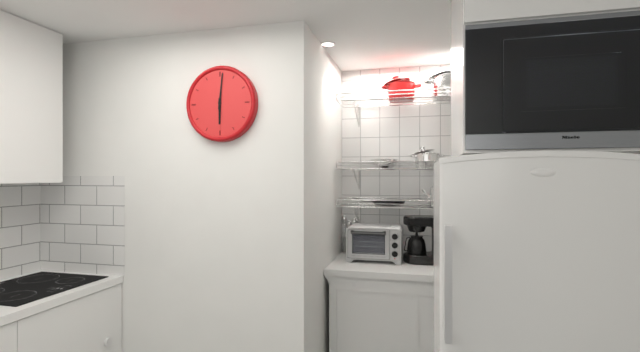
6 h 01 min
